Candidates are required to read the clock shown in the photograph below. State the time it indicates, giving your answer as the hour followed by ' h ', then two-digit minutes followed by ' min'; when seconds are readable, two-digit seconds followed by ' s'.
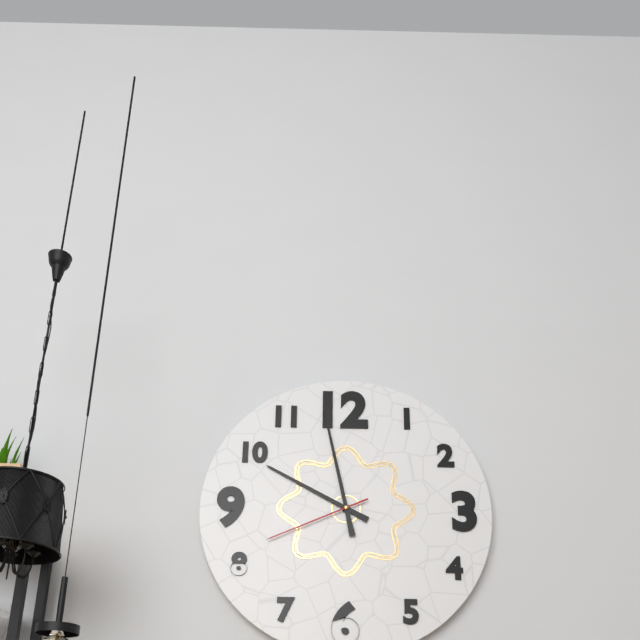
9 h 58 min 41 s
